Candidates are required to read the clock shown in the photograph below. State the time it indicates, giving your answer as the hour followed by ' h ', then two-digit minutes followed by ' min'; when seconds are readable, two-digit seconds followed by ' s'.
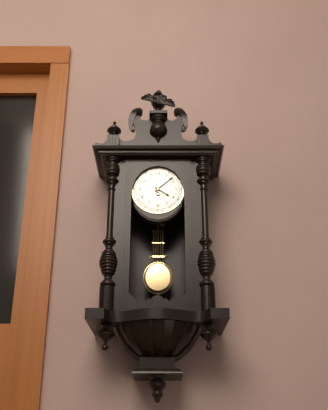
4 h 08 min
